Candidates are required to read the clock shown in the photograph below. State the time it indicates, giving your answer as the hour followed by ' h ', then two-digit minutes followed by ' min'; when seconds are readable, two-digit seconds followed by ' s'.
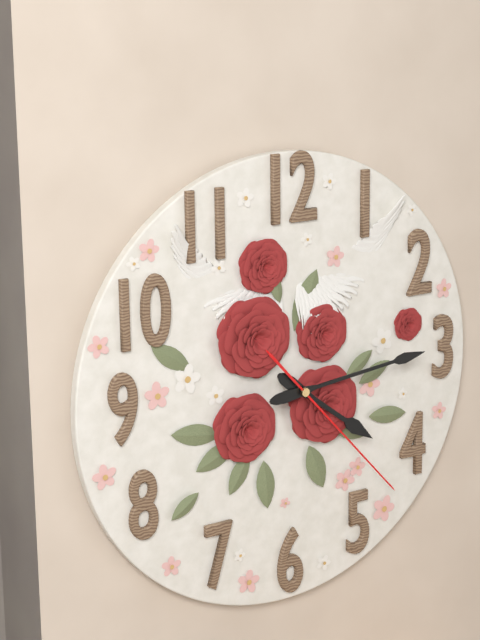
4 h 14 min 23 s
